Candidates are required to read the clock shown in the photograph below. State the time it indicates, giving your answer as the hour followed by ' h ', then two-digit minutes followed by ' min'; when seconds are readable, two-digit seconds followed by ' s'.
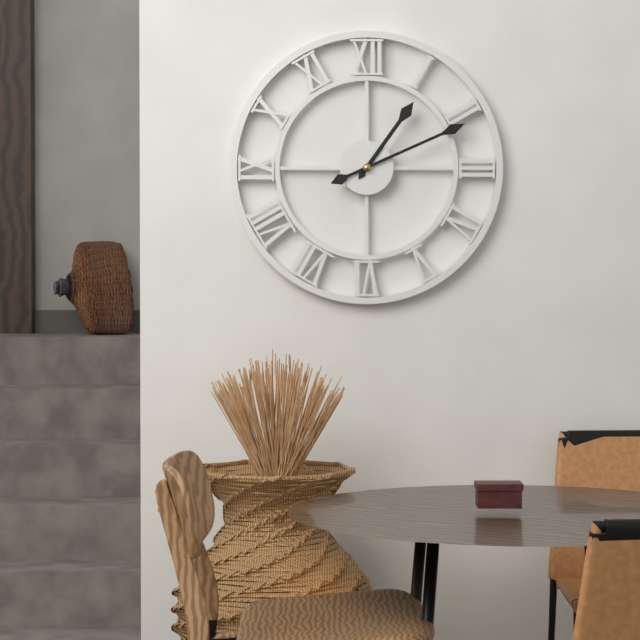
1 h 11 min
